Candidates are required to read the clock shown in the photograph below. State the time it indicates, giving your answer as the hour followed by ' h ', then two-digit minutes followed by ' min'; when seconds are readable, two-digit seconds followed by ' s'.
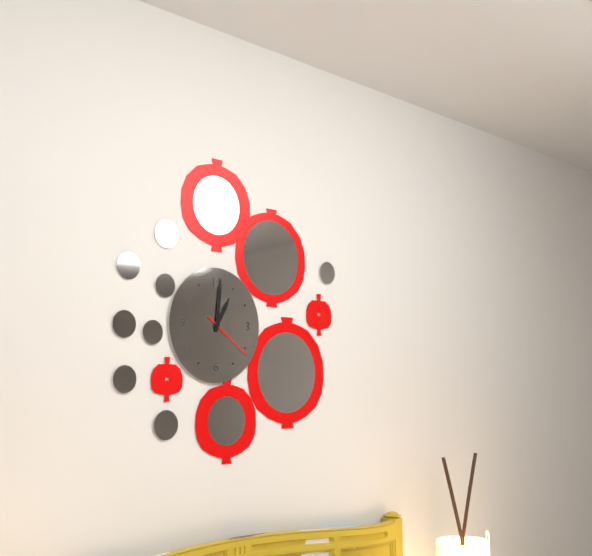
1 h 01 min 21 s
